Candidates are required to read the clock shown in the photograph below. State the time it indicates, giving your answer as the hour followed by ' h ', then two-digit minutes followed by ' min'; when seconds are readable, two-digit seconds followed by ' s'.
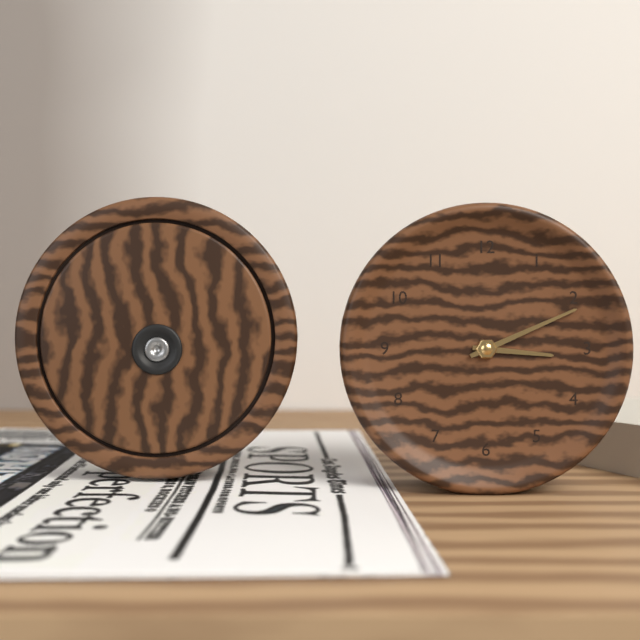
3 h 11 min
